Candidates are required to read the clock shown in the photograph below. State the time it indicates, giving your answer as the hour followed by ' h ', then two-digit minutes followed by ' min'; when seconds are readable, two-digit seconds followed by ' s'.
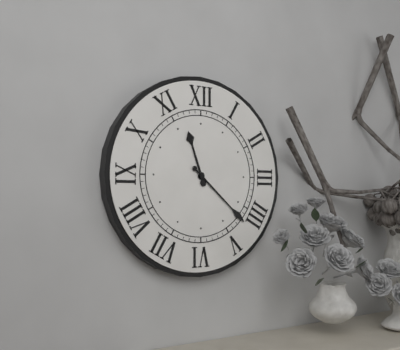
11 h 22 min
